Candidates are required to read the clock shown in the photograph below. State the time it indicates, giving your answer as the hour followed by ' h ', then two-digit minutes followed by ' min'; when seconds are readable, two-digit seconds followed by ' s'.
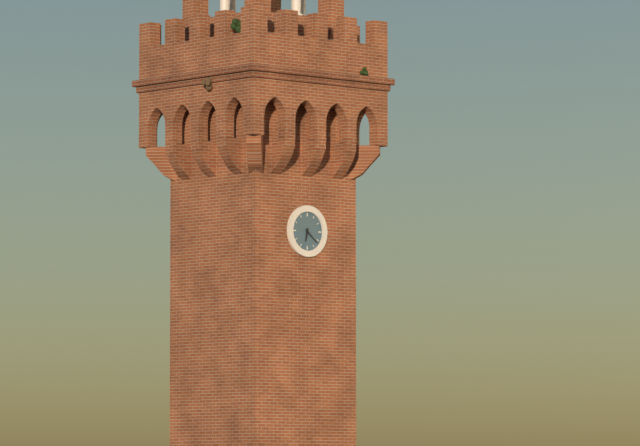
6 h 22 min
